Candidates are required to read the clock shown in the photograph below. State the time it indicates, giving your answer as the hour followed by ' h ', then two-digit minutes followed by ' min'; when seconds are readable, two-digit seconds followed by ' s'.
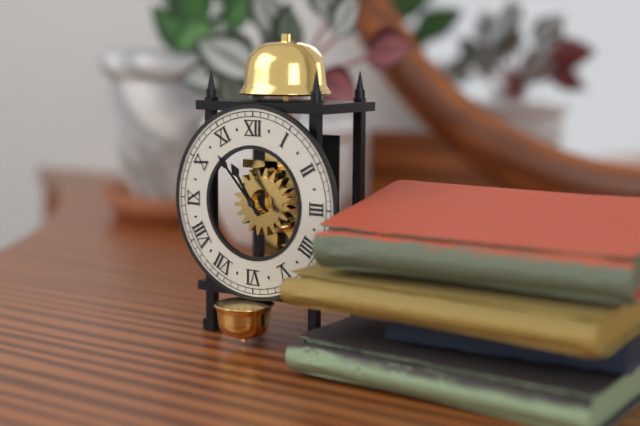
10 h 53 min
